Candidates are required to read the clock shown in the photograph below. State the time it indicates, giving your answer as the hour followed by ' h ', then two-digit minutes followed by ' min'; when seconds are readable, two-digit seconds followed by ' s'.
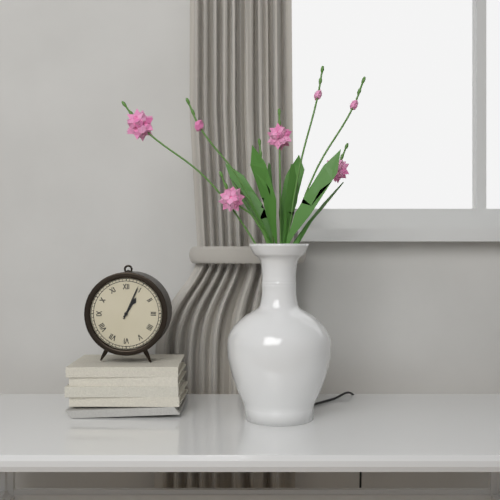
1 h 04 min
